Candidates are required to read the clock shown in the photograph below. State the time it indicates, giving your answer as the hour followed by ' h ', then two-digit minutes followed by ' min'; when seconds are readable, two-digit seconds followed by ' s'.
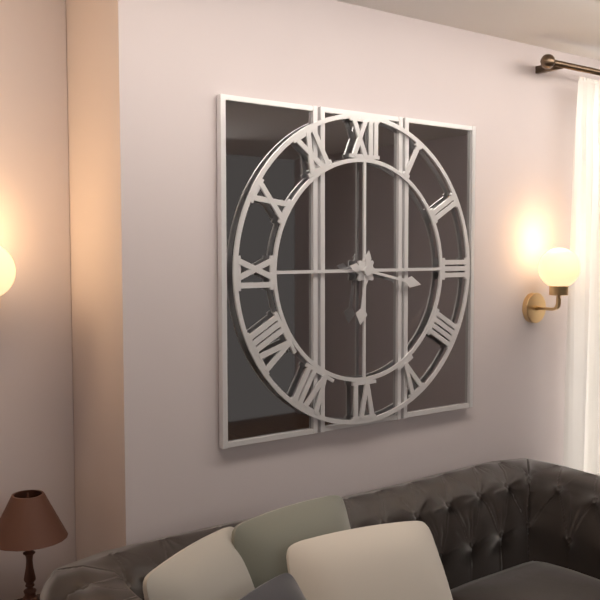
6 h 17 min
